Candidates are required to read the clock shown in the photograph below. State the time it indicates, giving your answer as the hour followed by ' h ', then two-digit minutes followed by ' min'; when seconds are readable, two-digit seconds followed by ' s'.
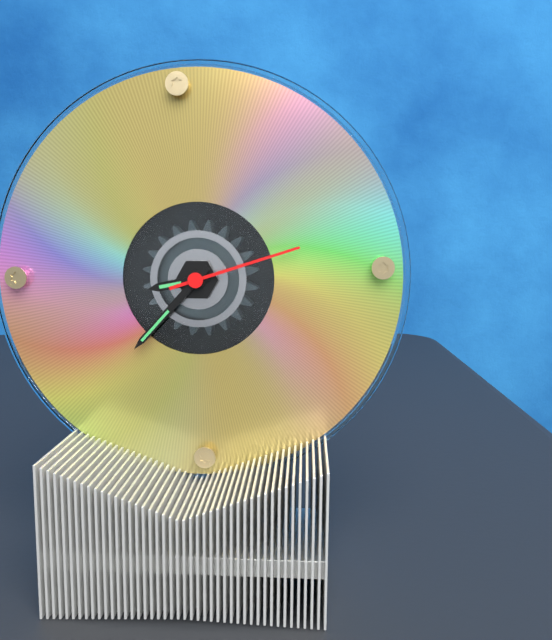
8 h 37 min 12 s
